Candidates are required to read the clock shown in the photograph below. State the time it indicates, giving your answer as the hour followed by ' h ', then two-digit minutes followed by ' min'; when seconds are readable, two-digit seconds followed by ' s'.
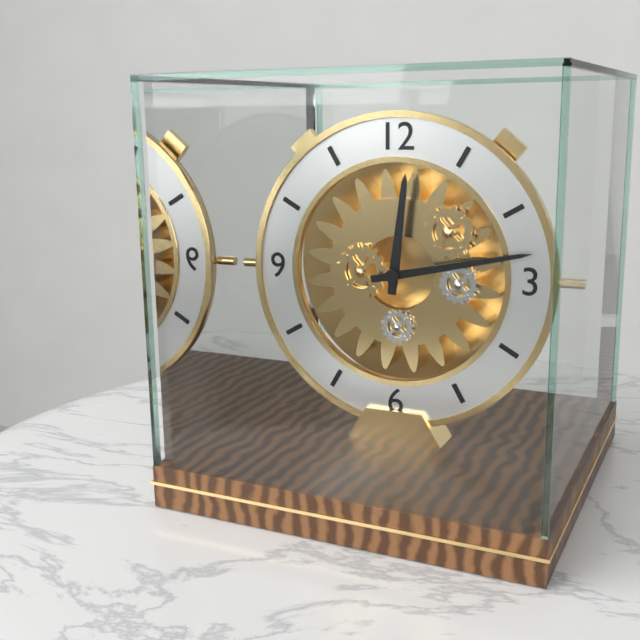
12 h 13 min
